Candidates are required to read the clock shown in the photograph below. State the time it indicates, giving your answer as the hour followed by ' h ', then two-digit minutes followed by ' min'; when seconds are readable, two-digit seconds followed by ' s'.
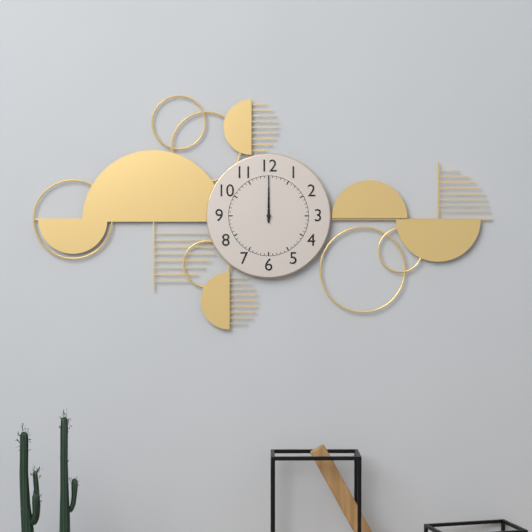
12 h 00 min
